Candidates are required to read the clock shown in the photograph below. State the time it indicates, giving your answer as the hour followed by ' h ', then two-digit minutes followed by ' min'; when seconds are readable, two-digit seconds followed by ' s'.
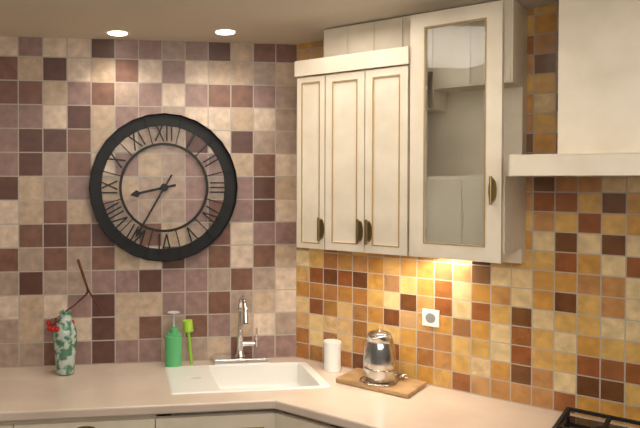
8 h 35 min
